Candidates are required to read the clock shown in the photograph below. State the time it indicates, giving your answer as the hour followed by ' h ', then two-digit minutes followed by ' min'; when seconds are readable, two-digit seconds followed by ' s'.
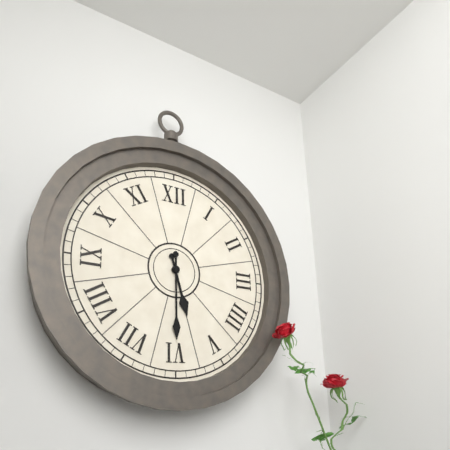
5 h 30 min
